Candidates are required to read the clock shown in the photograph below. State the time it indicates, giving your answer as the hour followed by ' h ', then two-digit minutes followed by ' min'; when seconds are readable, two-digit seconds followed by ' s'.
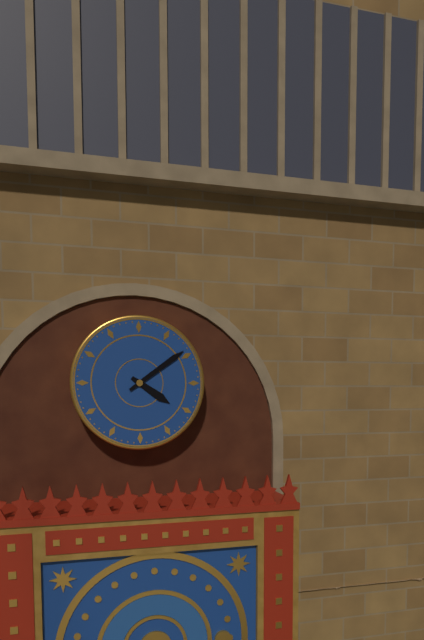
4 h 09 min
